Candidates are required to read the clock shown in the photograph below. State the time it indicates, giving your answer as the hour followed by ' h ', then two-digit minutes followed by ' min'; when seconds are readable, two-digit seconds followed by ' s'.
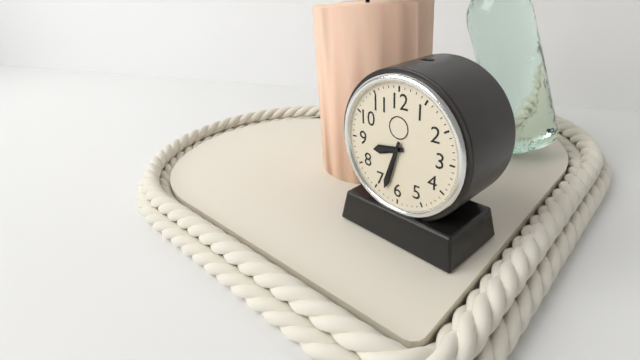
8 h 33 min
